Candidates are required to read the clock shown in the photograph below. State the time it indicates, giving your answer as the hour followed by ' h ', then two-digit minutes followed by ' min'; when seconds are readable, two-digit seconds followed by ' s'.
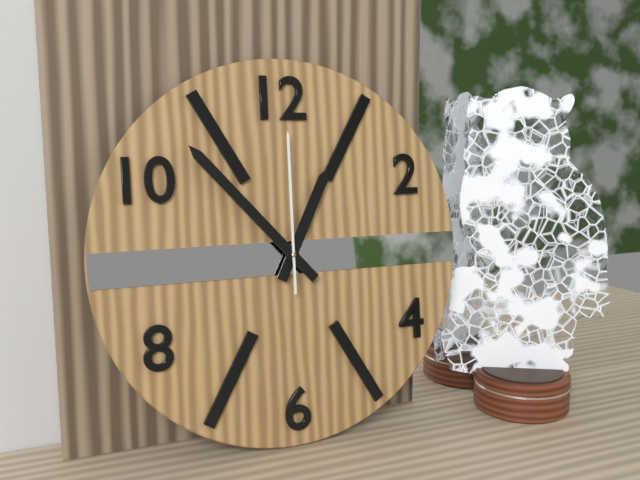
12 h 53 min 00 s
